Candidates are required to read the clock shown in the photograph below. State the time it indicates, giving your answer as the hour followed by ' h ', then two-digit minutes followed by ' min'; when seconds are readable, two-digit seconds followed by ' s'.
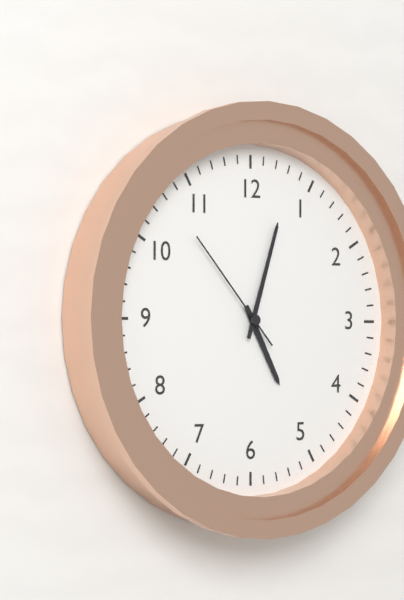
5 h 03 min 53 s
